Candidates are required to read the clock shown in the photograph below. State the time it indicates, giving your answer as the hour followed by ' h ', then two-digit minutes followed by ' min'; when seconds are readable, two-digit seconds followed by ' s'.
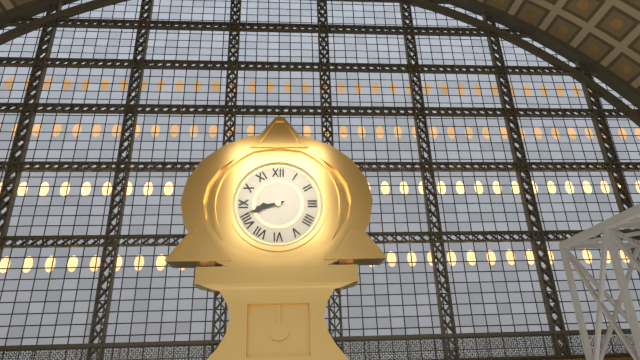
8 h 42 min
